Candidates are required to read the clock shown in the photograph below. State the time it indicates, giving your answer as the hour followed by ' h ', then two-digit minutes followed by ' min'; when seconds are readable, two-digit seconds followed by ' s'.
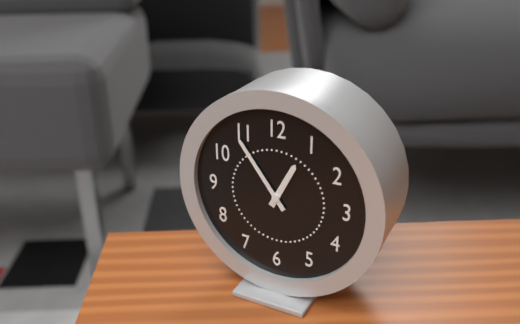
12 h 54 min
